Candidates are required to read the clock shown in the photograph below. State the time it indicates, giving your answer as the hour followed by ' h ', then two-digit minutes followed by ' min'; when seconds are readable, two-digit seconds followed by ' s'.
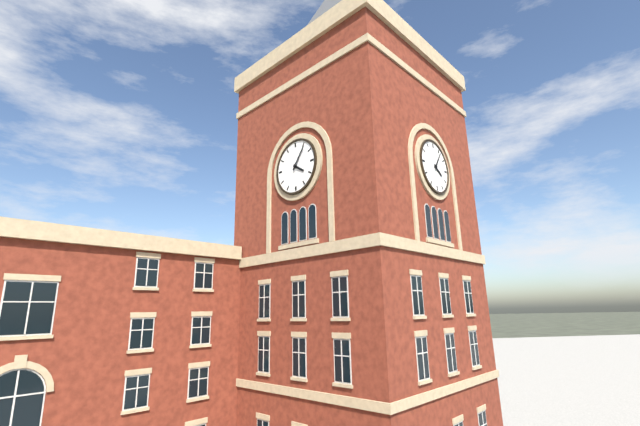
4 h 06 min
